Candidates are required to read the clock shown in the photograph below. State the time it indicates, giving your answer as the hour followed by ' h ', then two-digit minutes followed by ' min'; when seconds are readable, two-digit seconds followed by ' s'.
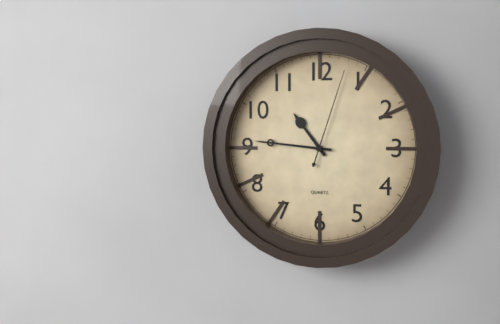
10 h 46 min 03 s
